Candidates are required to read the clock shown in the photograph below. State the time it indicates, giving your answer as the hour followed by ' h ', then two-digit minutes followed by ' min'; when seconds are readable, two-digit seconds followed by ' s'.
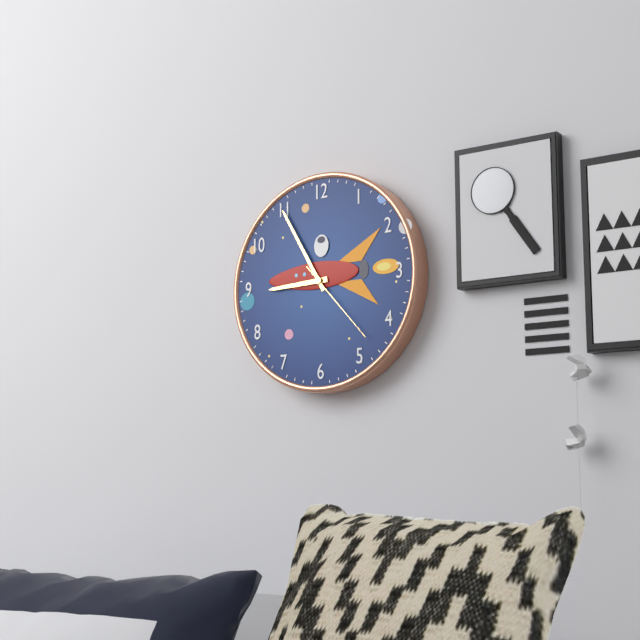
8 h 55 min 23 s
